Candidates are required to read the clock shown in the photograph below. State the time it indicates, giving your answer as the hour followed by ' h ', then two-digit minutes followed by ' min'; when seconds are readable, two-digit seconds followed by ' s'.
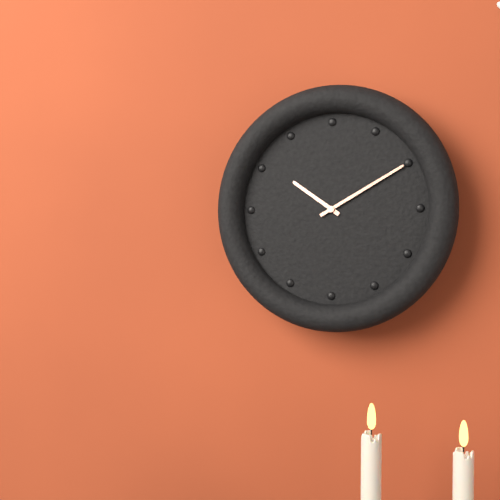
10 h 10 min
